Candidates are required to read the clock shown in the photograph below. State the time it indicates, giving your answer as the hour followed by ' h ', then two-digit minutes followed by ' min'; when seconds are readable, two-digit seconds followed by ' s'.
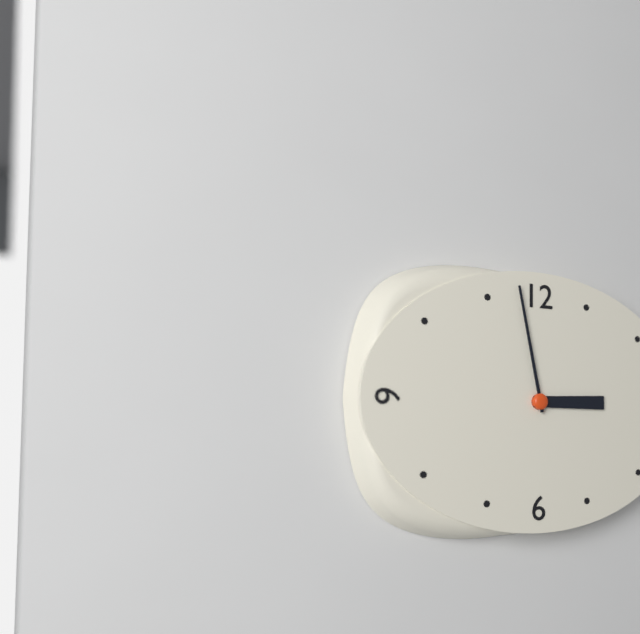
2 h 58 min
